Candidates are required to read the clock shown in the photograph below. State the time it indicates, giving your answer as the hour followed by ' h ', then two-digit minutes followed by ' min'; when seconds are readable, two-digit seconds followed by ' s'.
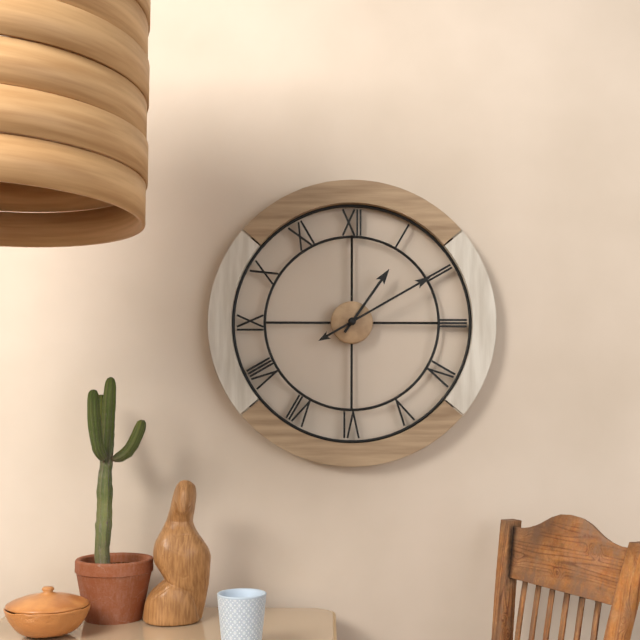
1 h 10 min
